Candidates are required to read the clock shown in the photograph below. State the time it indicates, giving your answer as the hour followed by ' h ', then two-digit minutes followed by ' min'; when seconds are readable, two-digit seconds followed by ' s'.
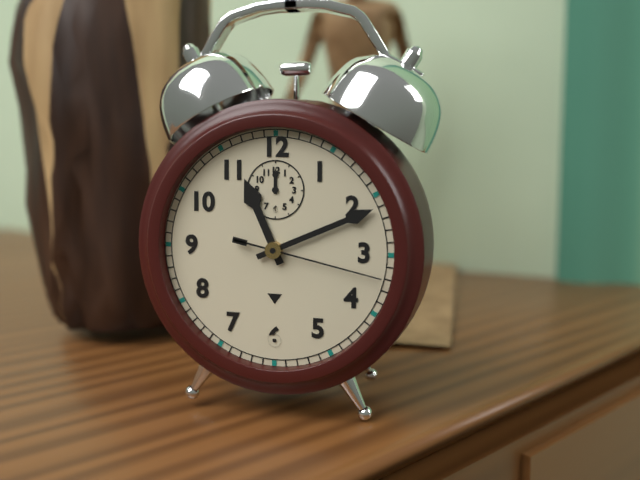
11 h 11 min 17 s
